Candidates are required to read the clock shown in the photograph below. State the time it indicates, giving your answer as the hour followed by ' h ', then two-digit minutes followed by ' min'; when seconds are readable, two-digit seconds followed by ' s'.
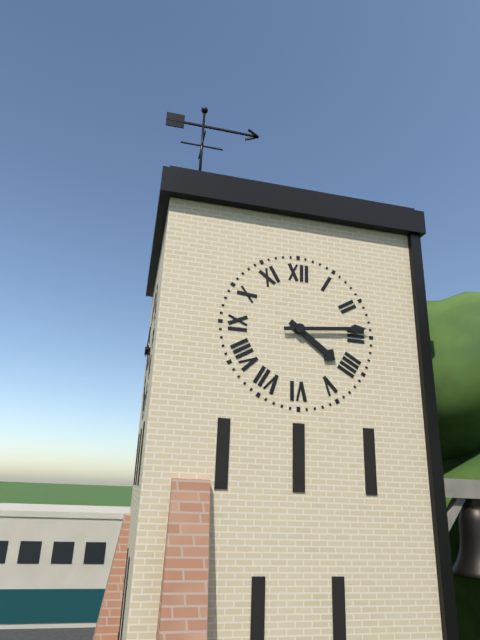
4 h 14 min
